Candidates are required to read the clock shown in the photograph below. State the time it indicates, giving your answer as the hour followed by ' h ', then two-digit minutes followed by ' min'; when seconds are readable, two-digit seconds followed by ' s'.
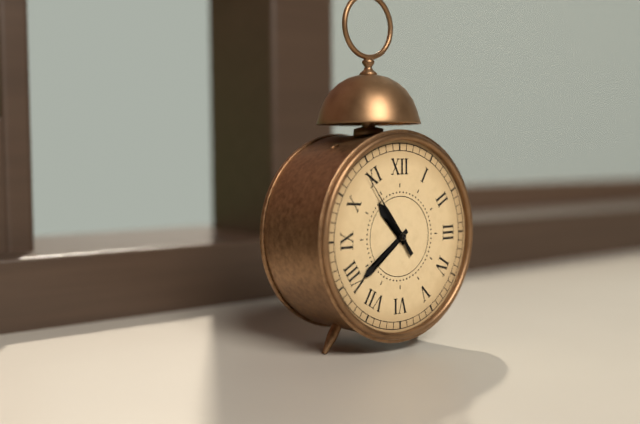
10 h 39 min 54 s
